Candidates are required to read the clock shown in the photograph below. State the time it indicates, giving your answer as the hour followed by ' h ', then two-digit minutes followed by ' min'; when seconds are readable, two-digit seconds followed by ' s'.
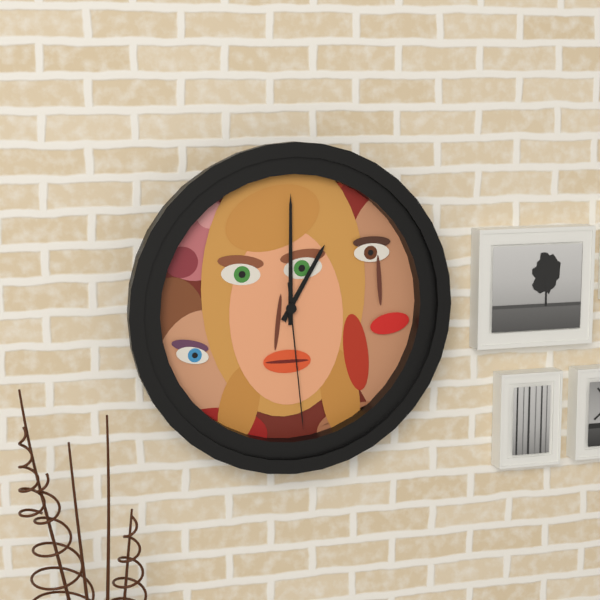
1 h 00 min 29 s
